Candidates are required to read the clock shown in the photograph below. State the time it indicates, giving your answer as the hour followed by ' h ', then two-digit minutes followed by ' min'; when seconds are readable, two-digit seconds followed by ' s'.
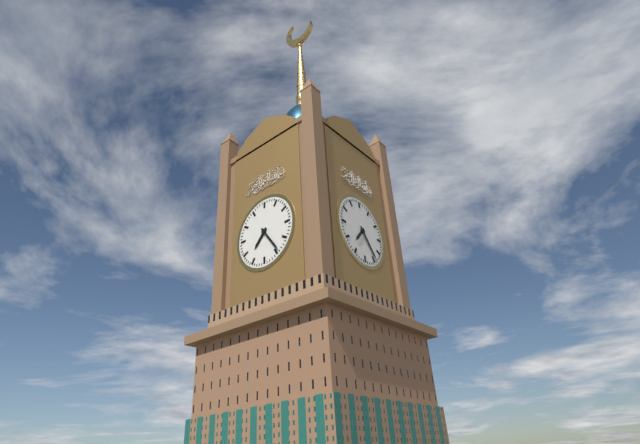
7 h 24 min
